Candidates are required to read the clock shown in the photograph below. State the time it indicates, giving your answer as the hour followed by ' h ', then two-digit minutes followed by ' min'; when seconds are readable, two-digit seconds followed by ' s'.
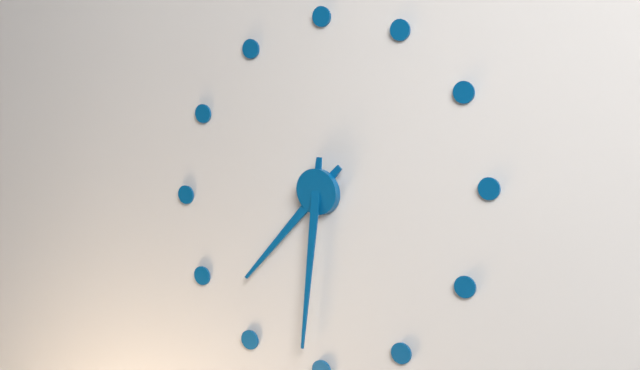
7 h 31 min
